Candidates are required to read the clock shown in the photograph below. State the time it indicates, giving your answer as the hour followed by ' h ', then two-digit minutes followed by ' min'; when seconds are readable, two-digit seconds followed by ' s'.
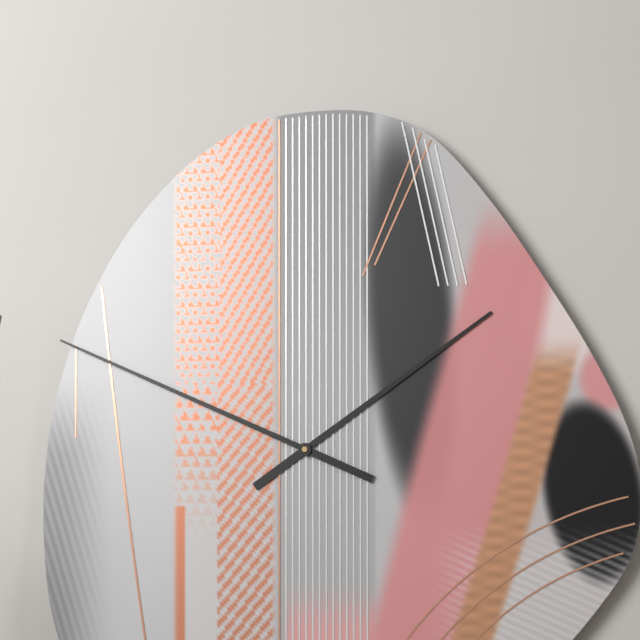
1 h 49 min
